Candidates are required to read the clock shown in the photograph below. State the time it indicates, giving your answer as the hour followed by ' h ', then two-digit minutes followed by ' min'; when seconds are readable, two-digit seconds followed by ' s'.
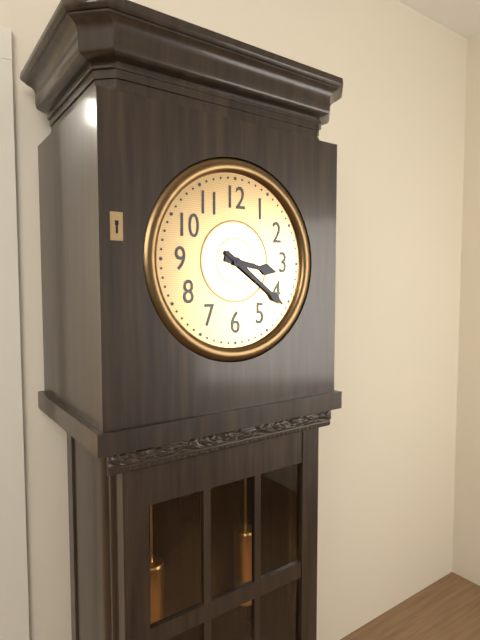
3 h 21 min
